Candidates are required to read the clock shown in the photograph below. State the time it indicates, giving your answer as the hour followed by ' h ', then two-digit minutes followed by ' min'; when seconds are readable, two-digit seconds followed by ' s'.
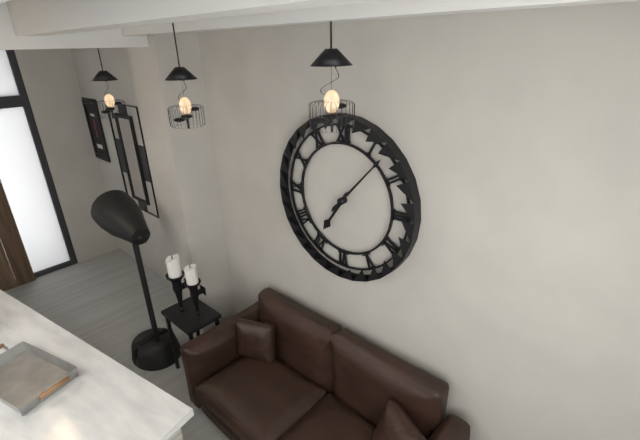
7 h 07 min
